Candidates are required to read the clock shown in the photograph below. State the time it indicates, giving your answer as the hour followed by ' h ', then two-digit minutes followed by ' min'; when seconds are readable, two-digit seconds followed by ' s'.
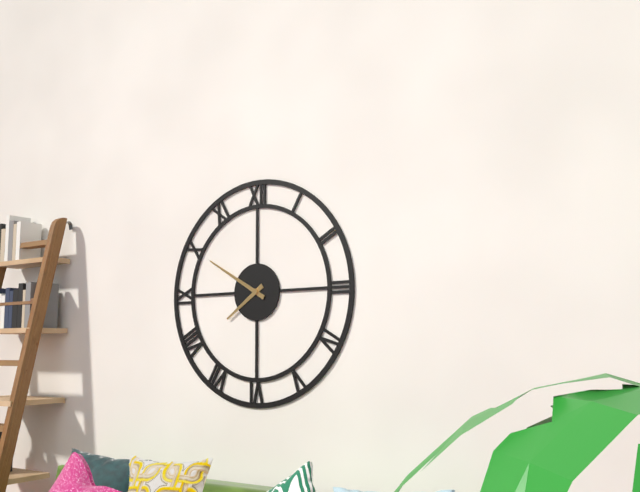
7 h 50 min
